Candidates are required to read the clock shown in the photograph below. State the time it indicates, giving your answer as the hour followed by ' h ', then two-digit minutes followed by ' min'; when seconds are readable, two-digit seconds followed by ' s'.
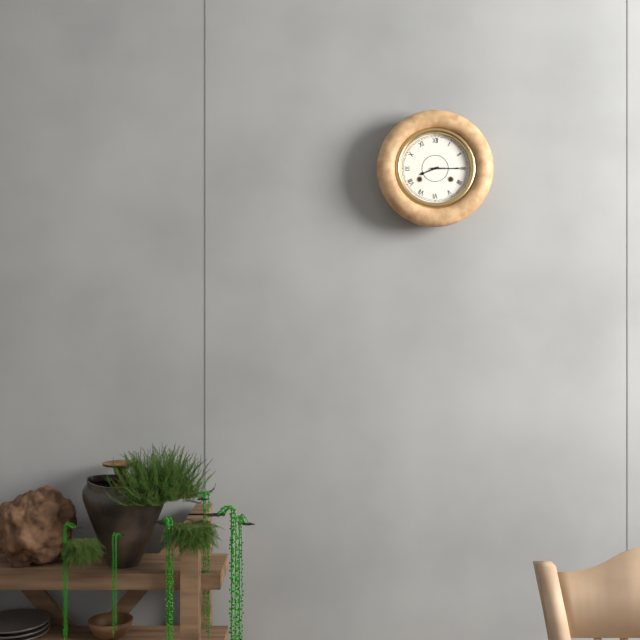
8 h 15 min
